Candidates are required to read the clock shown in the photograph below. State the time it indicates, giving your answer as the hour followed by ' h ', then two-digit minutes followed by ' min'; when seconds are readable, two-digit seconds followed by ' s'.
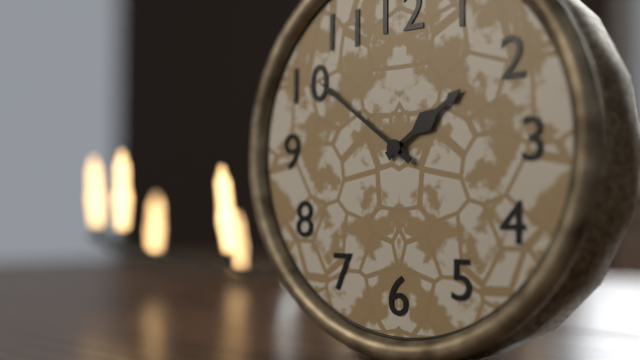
1 h 51 min
